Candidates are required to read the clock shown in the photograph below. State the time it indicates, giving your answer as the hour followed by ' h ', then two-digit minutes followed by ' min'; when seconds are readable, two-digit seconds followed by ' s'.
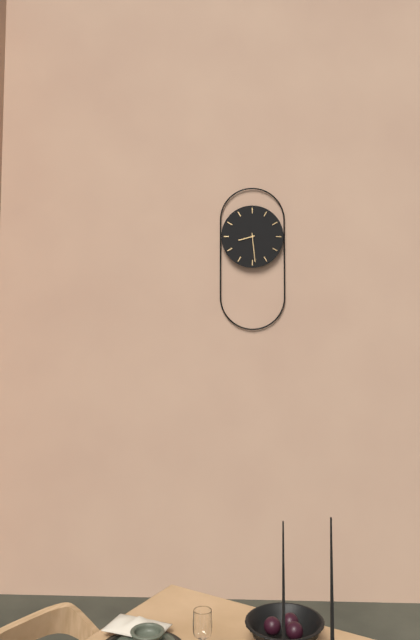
8 h 29 min
